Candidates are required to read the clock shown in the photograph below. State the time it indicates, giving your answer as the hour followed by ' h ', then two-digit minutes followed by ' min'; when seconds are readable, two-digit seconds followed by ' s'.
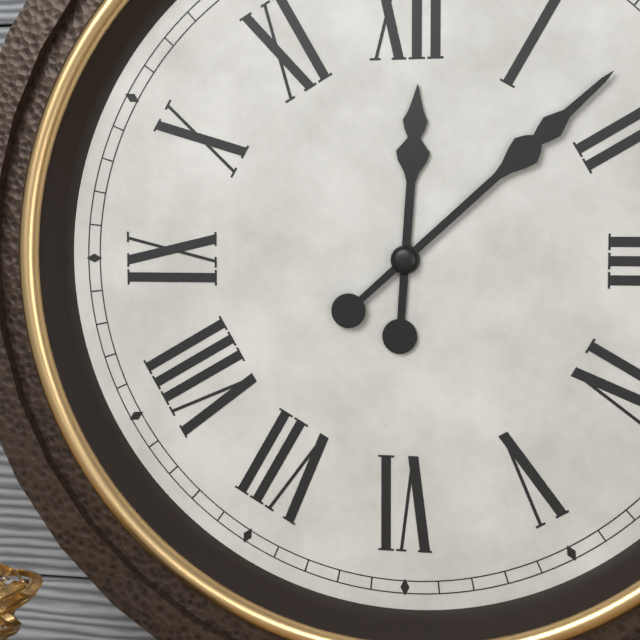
12 h 08 min
